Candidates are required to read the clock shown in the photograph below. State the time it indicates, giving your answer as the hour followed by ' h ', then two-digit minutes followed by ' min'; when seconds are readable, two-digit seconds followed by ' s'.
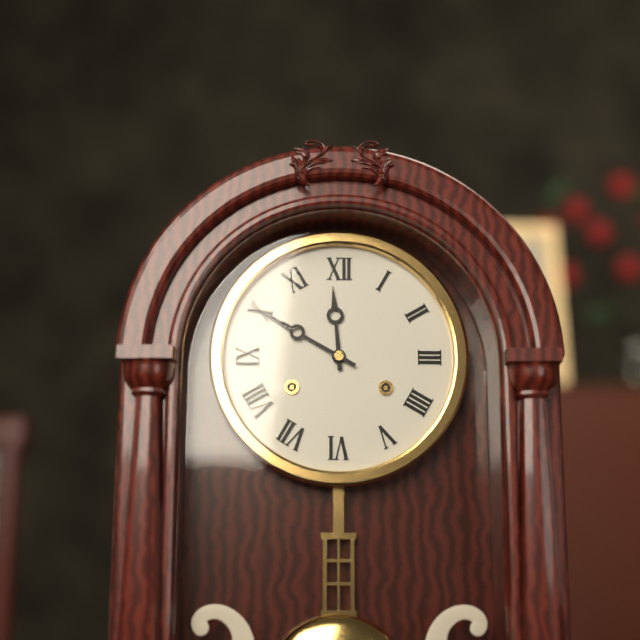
11 h 50 min
